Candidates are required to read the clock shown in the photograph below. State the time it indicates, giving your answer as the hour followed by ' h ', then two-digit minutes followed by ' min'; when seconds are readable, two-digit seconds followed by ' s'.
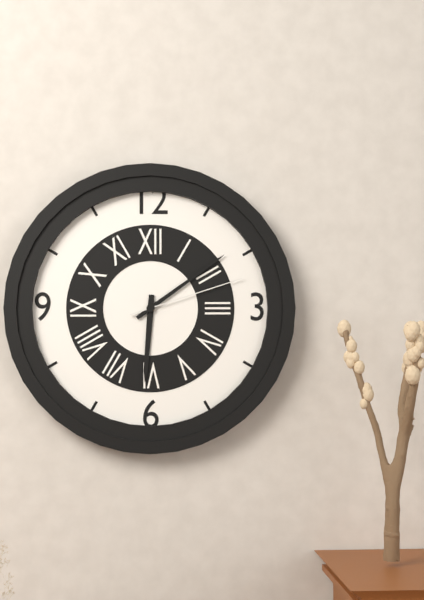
6 h 09 min 12 s
